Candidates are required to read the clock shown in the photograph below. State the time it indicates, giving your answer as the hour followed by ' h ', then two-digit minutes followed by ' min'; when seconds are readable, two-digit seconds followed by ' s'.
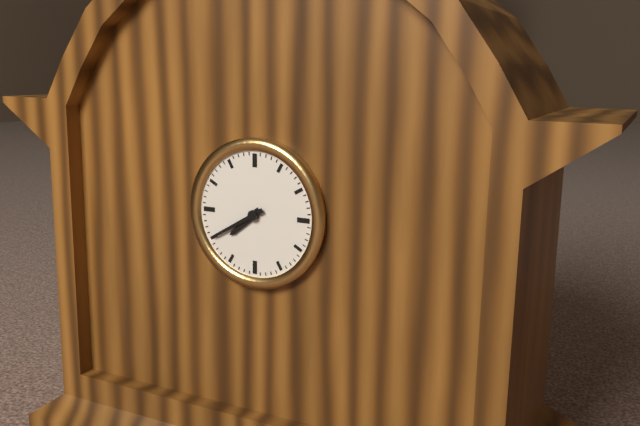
7 h 40 min
